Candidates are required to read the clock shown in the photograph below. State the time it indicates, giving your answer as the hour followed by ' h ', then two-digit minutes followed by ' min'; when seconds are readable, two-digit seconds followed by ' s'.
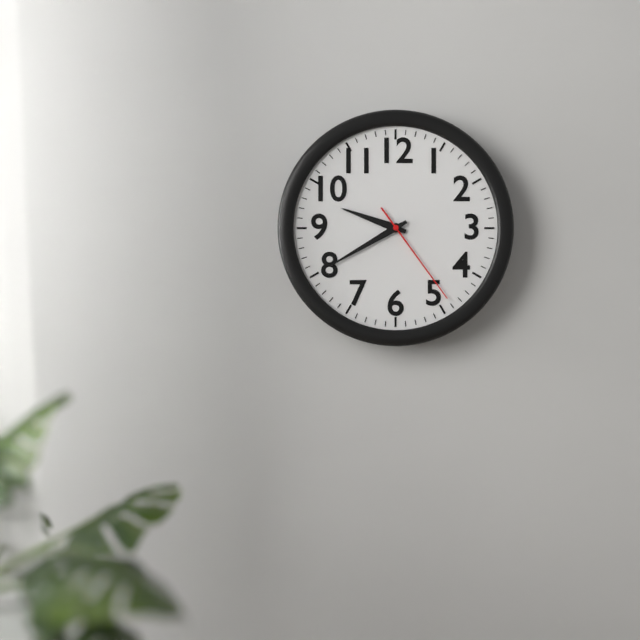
9 h 40 min 24 s
